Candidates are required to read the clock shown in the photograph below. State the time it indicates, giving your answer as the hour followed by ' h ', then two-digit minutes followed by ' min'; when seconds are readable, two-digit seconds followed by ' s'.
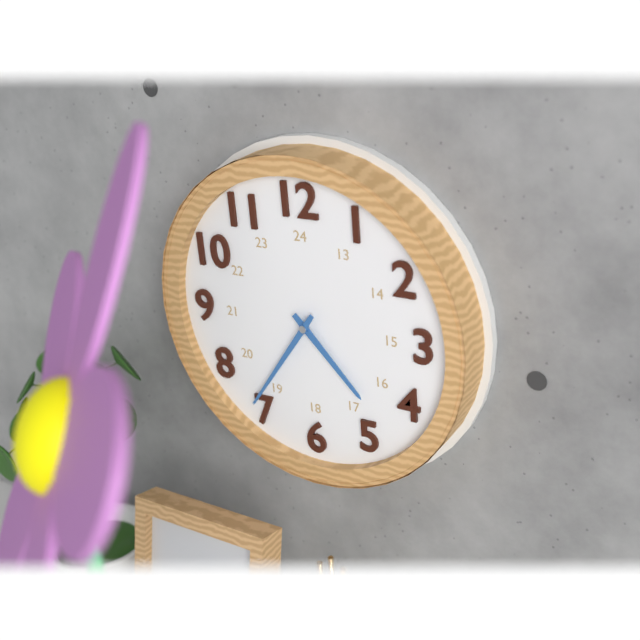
4 h 36 min
